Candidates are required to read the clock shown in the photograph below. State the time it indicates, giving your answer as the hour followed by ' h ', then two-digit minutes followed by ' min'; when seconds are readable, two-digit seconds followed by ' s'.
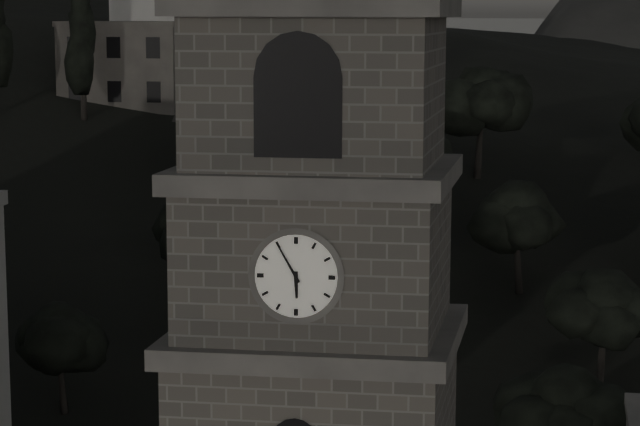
5 h 55 min
